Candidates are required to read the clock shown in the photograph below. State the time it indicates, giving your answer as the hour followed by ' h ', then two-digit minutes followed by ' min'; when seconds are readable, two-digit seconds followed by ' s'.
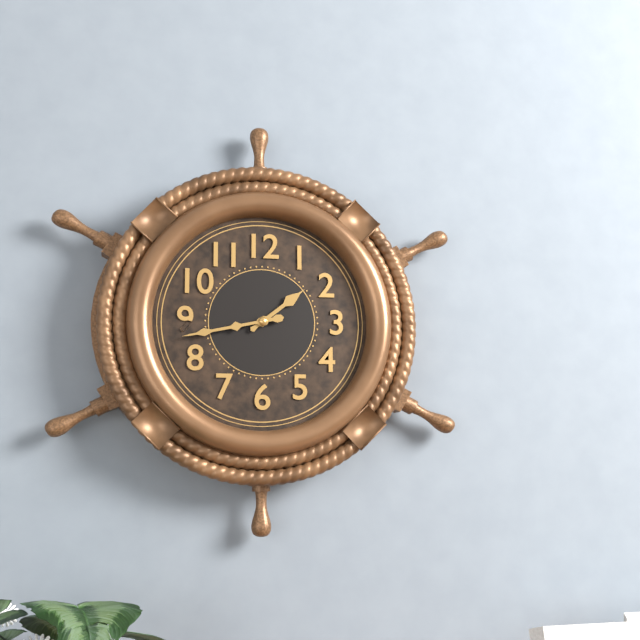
1 h 43 min
